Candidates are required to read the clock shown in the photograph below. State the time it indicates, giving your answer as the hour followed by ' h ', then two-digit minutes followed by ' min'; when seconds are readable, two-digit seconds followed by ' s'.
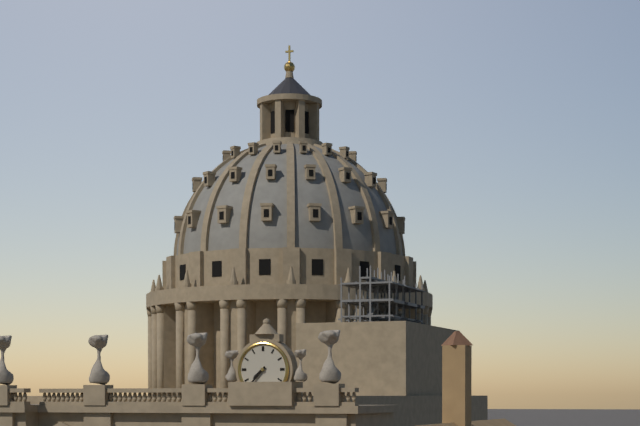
7 h 37 min
